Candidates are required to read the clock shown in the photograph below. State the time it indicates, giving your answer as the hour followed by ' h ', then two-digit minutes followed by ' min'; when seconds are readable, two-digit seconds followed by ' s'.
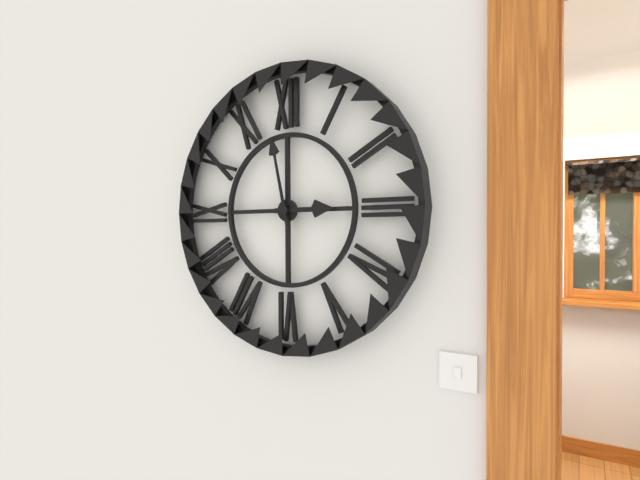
2 h 58 min
